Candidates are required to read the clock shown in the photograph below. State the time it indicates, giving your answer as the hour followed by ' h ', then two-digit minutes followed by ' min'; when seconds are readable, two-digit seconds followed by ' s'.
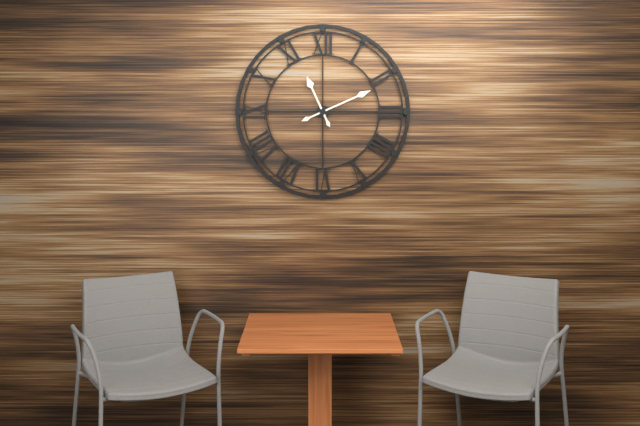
11 h 11 min
